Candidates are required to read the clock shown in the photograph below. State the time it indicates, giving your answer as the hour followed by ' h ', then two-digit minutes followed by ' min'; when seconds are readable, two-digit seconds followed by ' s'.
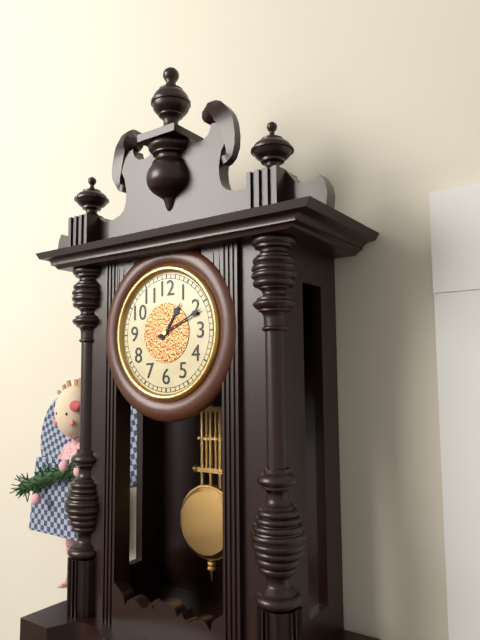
1 h 11 min
